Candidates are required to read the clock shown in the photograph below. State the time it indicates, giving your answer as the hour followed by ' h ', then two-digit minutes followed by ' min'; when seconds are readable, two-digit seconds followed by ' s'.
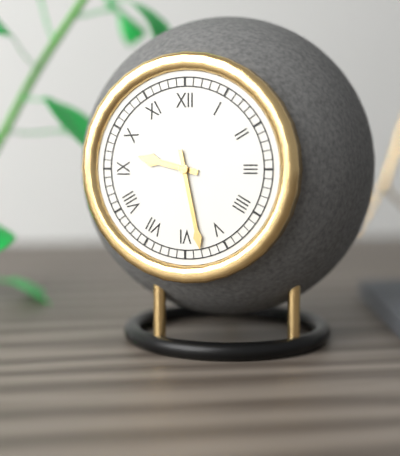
9 h 28 min
